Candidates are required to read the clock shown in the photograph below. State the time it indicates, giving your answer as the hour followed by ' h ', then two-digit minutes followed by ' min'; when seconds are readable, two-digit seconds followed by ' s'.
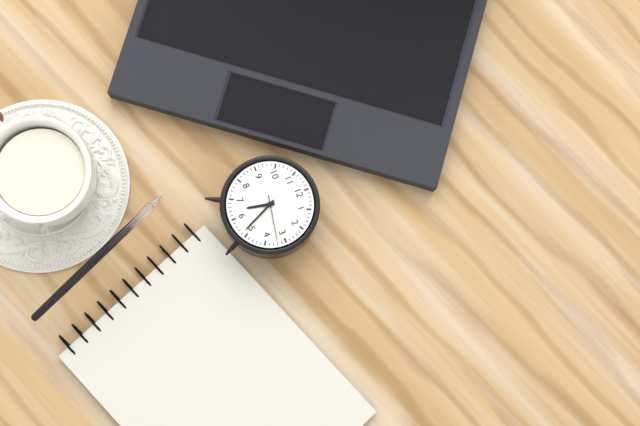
6 h 26 min
